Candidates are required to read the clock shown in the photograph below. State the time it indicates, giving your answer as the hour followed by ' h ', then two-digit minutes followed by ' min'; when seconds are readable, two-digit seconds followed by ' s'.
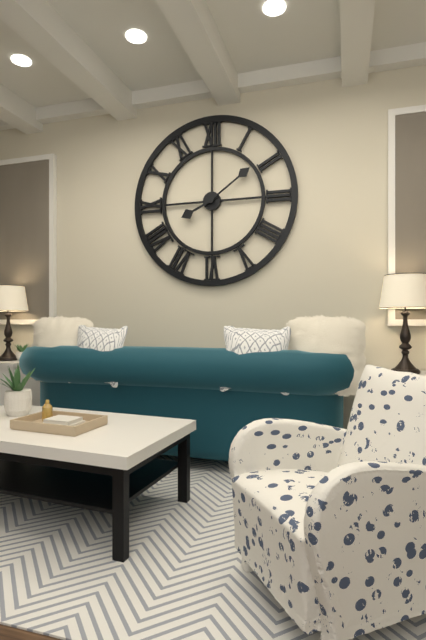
8 h 09 min
